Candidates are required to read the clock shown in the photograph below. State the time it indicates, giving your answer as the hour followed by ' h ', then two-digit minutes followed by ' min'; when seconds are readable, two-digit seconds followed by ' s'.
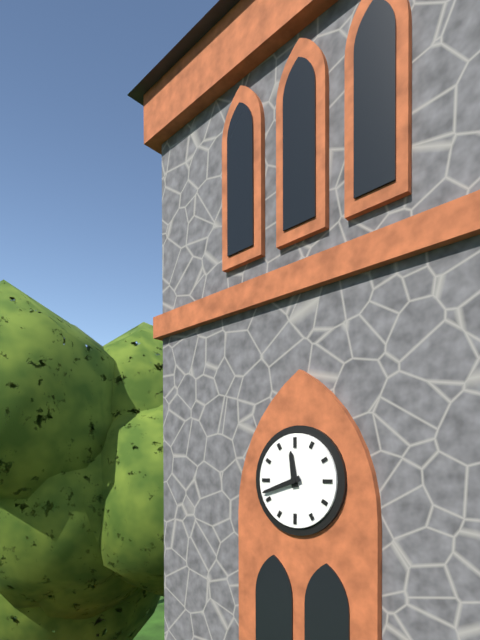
11 h 42 min
